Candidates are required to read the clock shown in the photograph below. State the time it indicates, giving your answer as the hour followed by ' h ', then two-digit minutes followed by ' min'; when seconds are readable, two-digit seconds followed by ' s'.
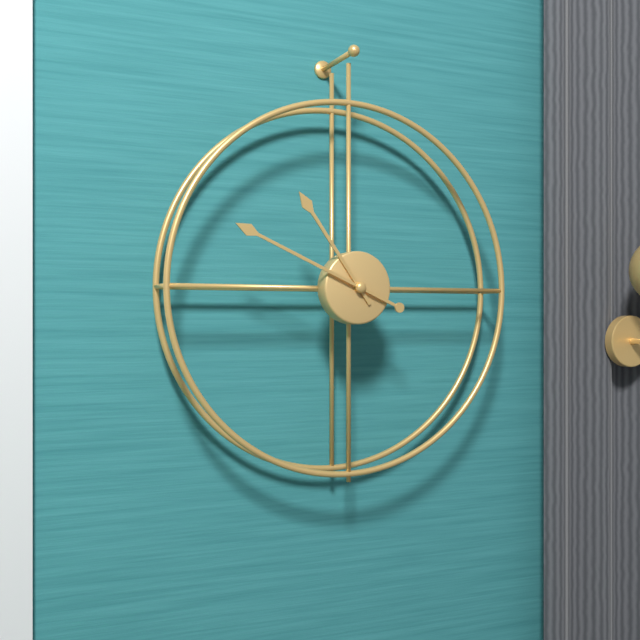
10 h 49 min
